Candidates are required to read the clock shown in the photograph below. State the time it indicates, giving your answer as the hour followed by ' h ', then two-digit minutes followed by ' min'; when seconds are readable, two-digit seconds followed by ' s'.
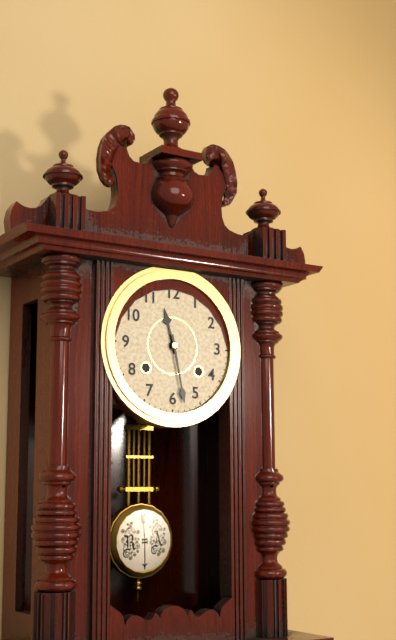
11 h 28 min
